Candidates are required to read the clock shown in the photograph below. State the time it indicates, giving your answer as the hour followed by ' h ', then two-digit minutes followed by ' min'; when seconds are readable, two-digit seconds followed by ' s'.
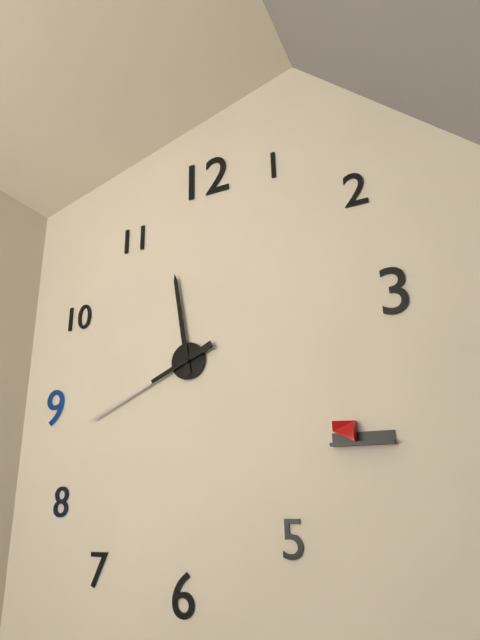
11 h 41 min
